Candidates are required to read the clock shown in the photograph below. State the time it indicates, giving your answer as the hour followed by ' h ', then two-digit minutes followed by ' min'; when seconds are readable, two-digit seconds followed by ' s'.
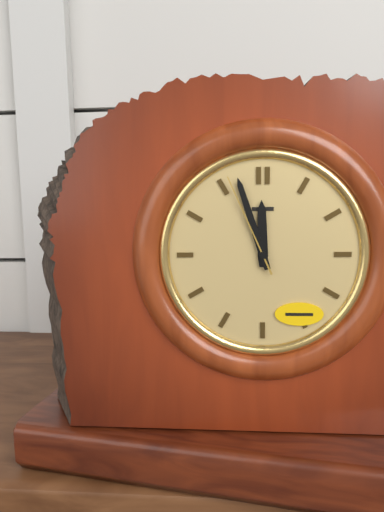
11 h 57 min 56 s
